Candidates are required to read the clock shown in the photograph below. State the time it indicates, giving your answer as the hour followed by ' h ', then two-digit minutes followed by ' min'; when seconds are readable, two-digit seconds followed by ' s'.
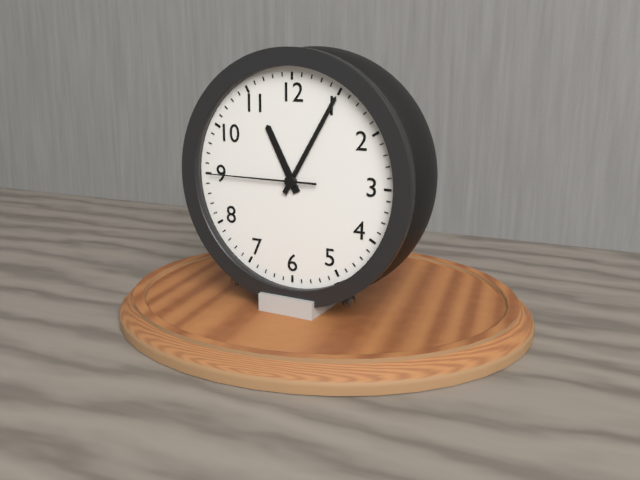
11 h 05 min 45 s
